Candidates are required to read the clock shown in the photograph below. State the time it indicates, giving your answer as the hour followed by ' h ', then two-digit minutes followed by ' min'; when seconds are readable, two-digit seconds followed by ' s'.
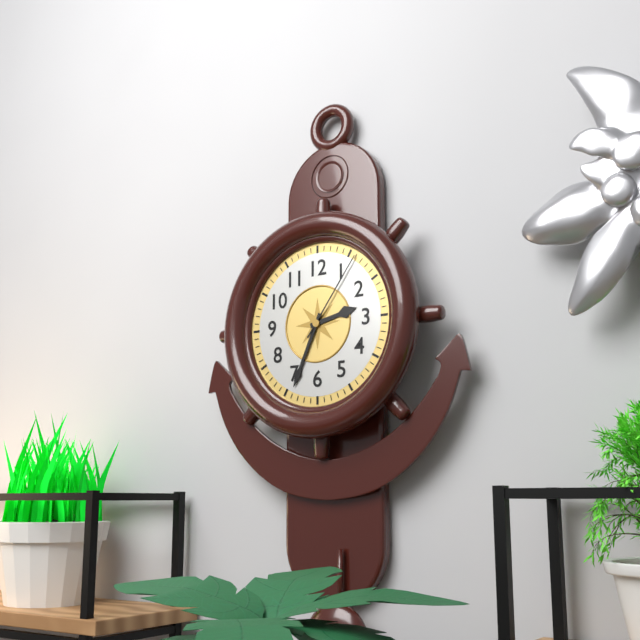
2 h 34 min 06 s
